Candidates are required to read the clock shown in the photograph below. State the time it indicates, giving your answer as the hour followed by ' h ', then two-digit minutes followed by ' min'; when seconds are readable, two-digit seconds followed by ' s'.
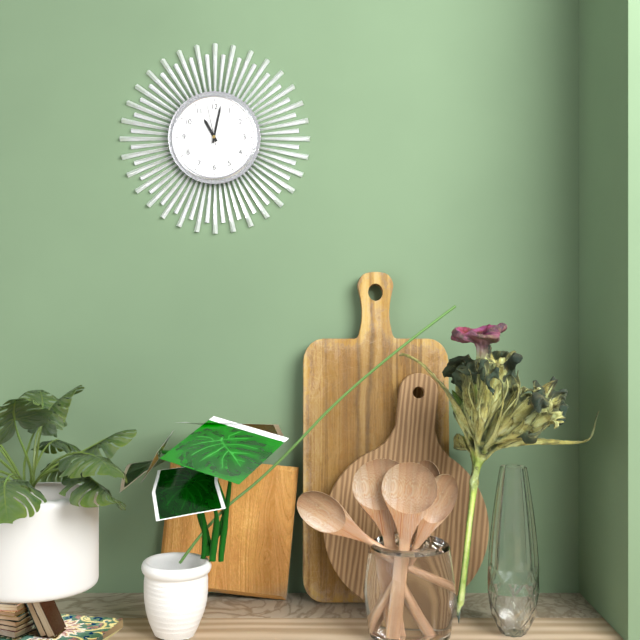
11 h 02 min
